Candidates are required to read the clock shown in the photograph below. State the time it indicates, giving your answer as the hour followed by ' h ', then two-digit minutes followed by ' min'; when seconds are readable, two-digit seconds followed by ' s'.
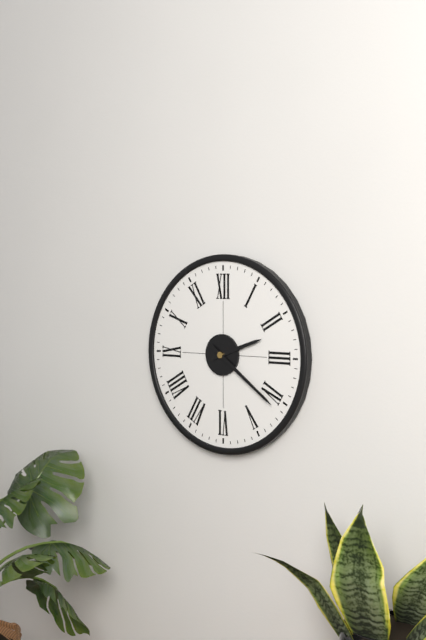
2 h 21 min
